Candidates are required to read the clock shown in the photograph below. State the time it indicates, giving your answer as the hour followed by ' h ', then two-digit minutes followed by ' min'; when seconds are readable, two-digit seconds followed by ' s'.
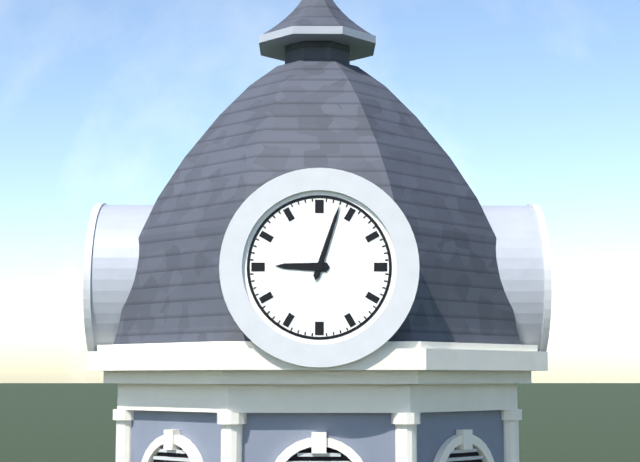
9 h 03 min
